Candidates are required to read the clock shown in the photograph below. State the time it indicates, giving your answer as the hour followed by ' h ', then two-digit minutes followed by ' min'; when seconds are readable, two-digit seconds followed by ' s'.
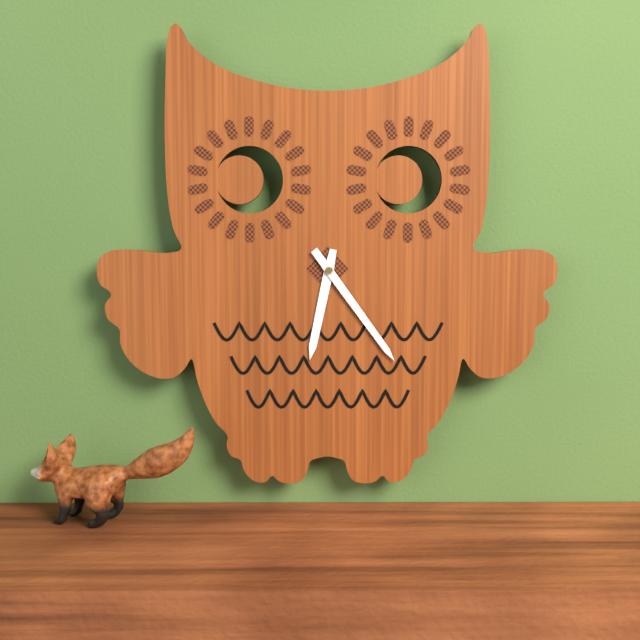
6 h 24 min
